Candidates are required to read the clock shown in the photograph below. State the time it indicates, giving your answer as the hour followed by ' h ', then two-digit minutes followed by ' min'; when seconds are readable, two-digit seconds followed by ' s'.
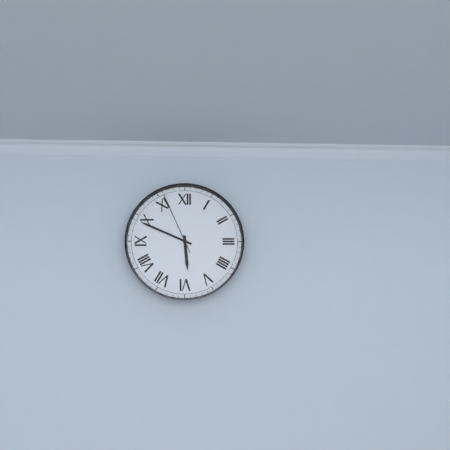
5 h 49 min 56 s
